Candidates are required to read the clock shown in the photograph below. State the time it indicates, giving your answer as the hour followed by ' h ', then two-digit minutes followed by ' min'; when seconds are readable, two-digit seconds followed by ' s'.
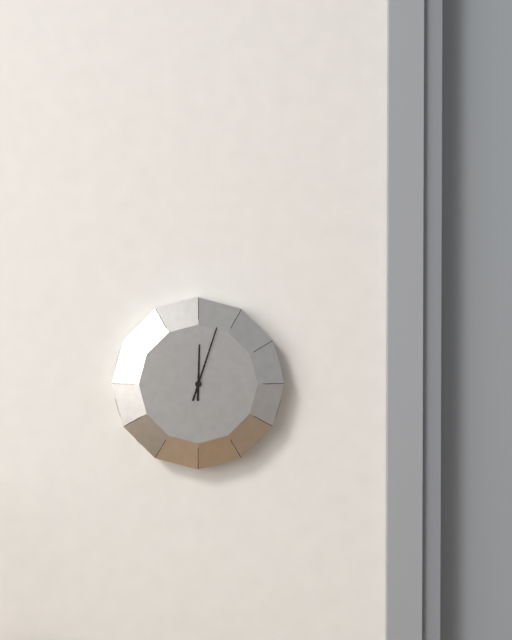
12 h 03 min
